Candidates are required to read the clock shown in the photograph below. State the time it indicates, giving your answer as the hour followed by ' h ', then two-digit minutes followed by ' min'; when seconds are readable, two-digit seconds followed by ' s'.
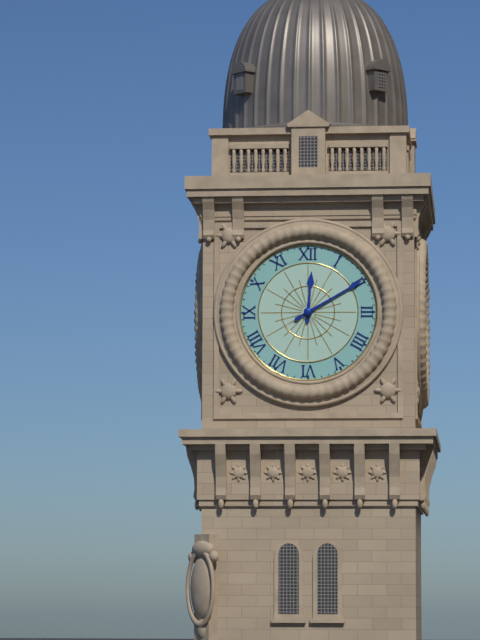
12 h 10 min
